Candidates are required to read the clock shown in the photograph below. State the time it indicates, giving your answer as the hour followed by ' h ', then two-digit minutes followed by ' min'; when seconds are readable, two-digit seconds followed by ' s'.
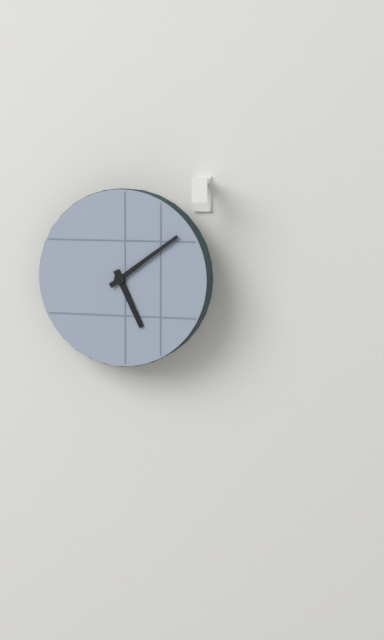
5 h 09 min
